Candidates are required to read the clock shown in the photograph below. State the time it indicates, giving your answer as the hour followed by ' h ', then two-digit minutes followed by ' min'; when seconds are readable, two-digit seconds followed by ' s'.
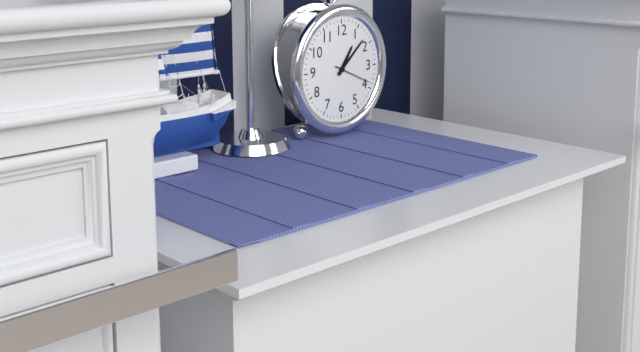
1 h 08 min
